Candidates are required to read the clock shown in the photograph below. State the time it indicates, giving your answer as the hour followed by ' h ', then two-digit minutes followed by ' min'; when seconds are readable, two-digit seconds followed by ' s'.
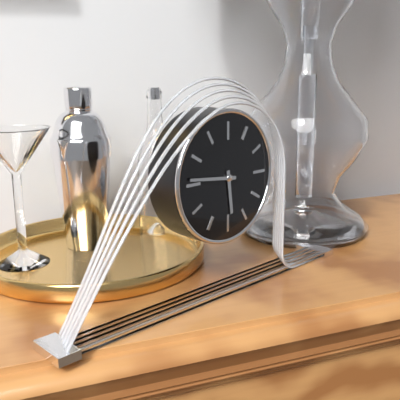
5 h 46 min
